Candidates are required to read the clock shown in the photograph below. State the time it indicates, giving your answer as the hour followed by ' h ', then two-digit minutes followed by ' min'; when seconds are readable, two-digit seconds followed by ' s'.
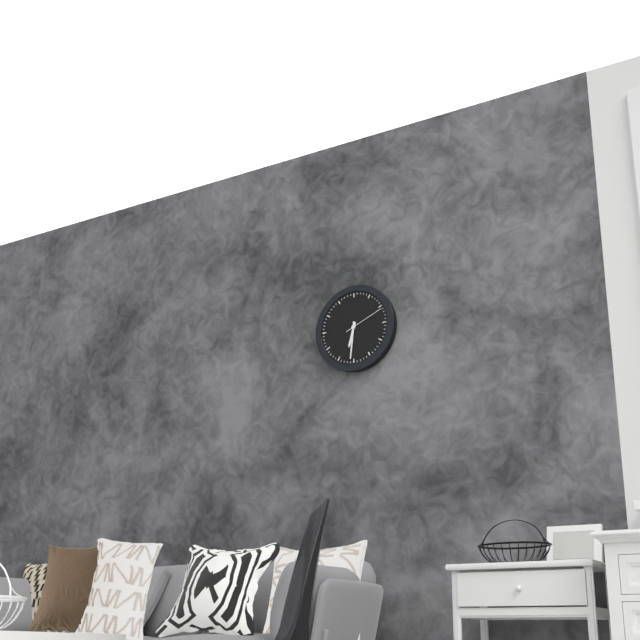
6 h 31 min
